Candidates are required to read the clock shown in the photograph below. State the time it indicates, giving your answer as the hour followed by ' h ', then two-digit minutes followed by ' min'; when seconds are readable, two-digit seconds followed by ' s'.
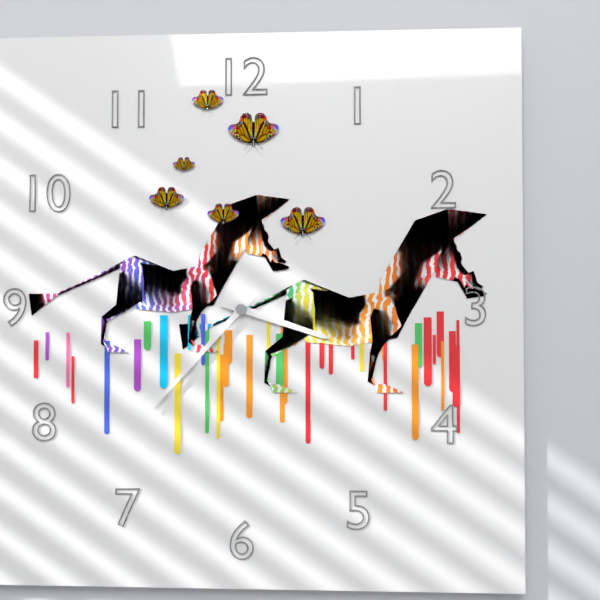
3 h 37 min
